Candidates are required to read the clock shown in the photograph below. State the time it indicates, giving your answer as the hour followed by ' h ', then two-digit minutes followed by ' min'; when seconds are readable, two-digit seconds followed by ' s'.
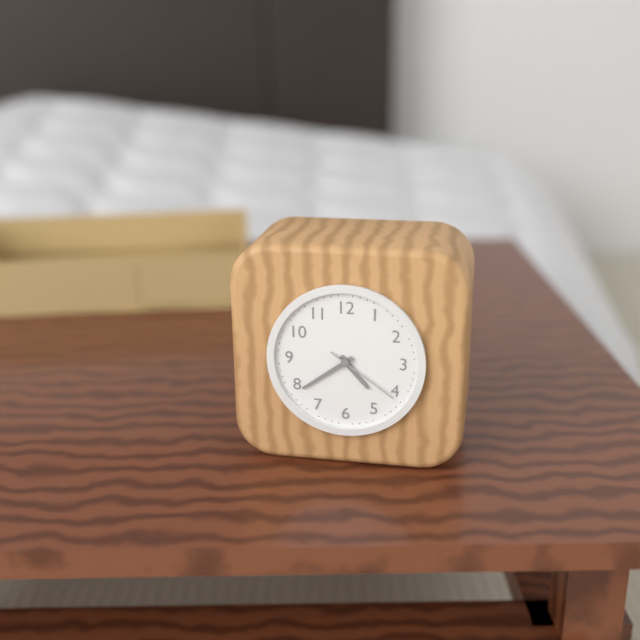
4 h 39 min 21 s
